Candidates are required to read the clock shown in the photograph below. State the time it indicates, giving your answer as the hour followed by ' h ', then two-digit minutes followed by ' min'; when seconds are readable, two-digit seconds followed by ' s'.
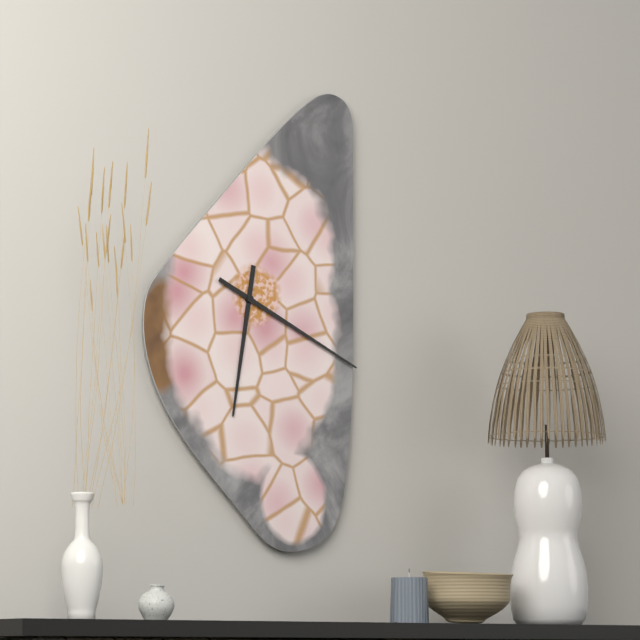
6 h 19 min
